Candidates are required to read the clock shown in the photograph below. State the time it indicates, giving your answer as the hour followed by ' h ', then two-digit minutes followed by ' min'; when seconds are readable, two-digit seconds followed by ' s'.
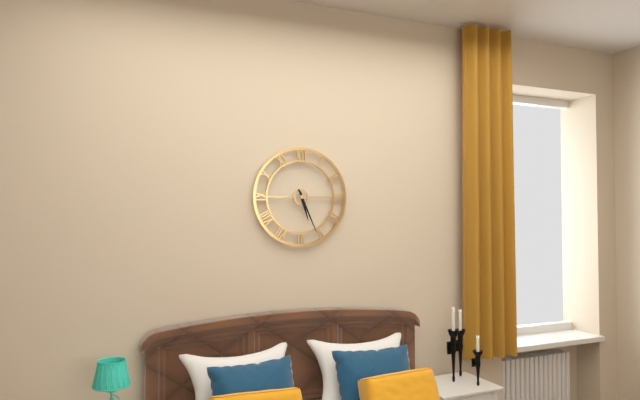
5 h 26 min
